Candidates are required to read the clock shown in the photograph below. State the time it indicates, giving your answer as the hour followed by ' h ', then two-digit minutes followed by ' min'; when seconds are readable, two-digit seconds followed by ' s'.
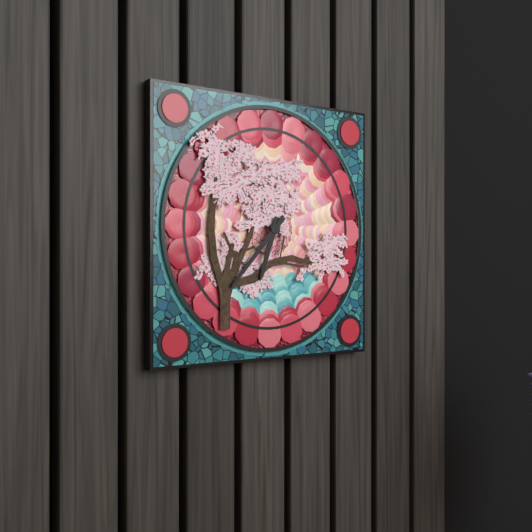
6 h 37 min
